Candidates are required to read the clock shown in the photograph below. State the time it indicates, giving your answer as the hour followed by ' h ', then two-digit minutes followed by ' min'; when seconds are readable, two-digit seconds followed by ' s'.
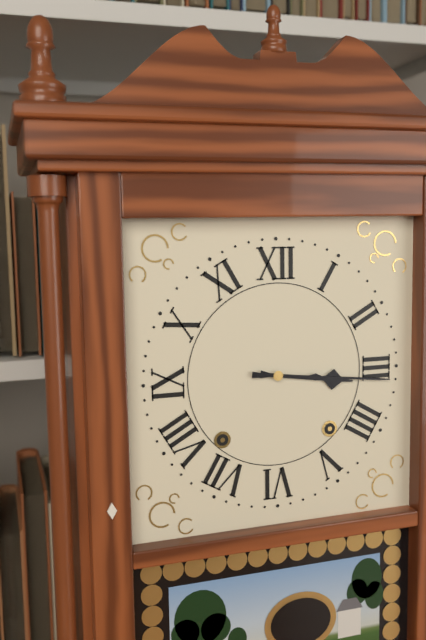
3 h 16 min
